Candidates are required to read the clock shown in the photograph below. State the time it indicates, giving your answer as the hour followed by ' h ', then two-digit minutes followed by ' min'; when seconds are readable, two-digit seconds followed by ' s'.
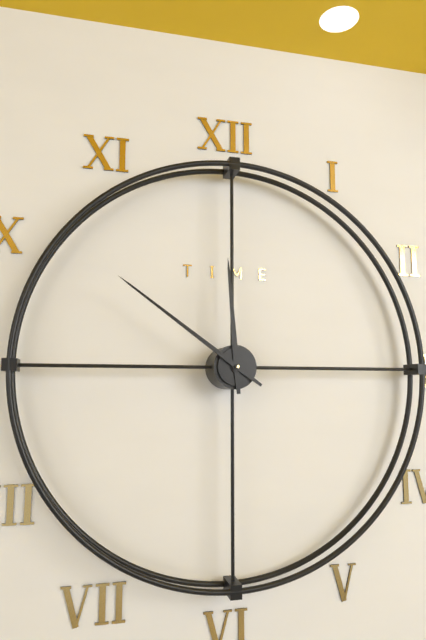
11 h 51 min
